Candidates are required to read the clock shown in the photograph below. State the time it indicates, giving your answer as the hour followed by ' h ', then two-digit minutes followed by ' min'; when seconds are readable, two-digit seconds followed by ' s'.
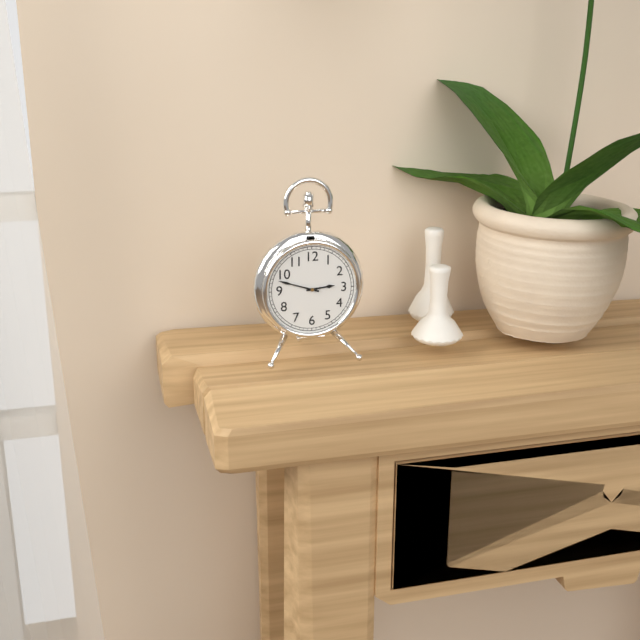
2 h 48 min
